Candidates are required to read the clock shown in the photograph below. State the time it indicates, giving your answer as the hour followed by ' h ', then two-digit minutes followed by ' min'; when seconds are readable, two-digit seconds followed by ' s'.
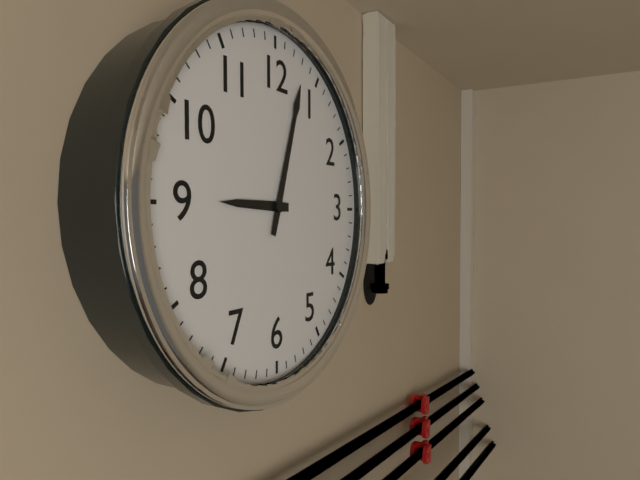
9 h 03 min
